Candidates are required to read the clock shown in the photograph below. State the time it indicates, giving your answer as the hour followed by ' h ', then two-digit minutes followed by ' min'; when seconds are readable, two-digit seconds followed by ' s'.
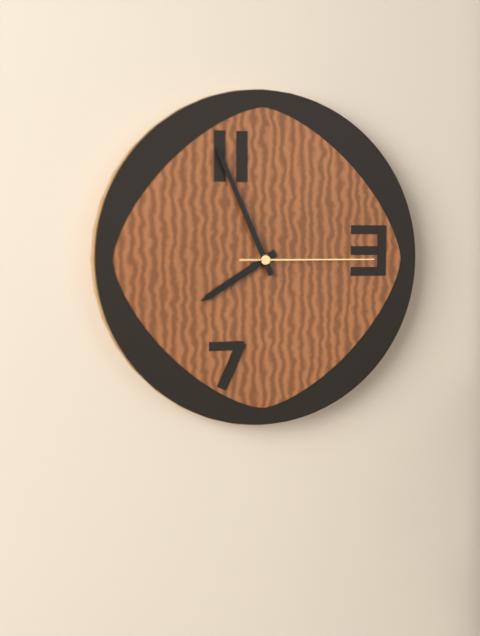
7 h 56 min 15 s
